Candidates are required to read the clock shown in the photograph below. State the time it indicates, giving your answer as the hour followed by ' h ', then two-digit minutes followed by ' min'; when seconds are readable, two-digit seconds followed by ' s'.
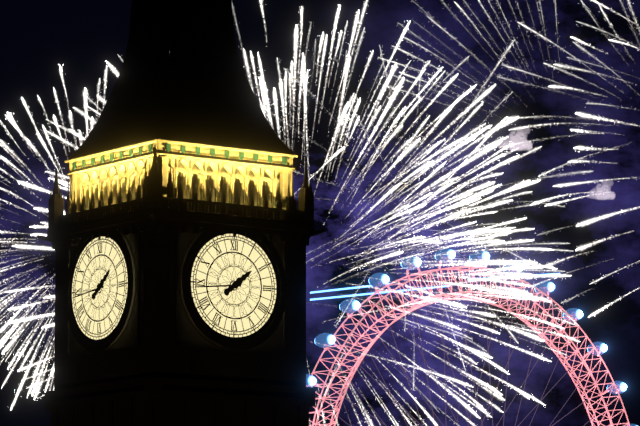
1 h 44 min
